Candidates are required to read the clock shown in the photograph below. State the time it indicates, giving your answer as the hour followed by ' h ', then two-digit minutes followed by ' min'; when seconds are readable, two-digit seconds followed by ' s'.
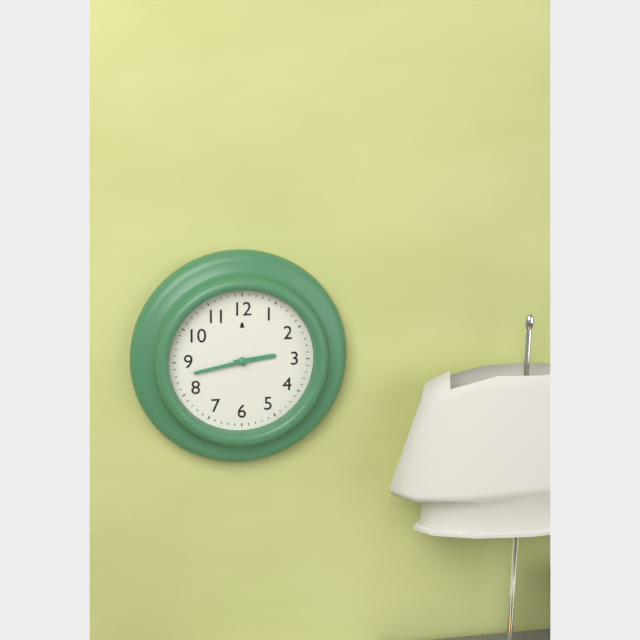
2 h 43 min
